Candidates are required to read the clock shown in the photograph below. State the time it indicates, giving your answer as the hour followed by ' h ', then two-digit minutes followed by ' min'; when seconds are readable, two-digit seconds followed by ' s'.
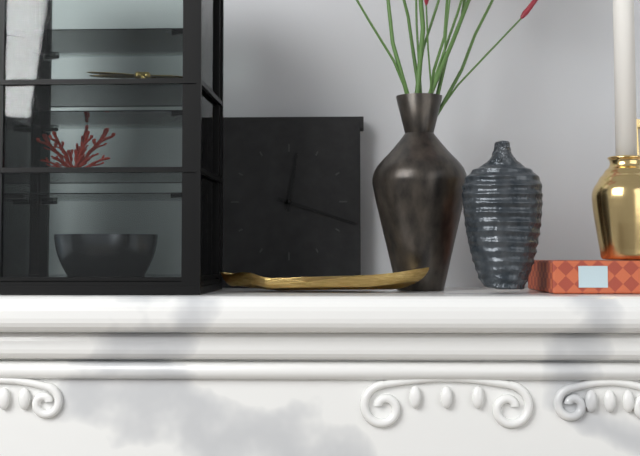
12 h 18 min
